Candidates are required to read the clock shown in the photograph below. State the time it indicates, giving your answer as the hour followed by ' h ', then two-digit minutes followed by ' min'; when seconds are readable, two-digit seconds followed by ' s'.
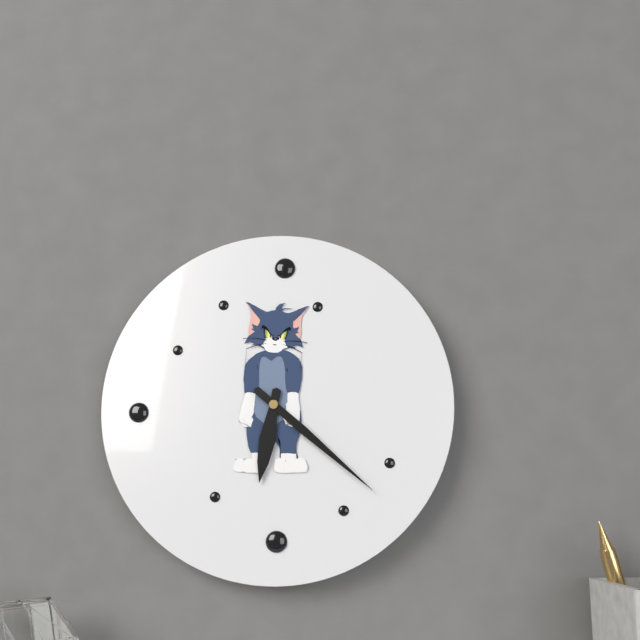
6 h 22 min
